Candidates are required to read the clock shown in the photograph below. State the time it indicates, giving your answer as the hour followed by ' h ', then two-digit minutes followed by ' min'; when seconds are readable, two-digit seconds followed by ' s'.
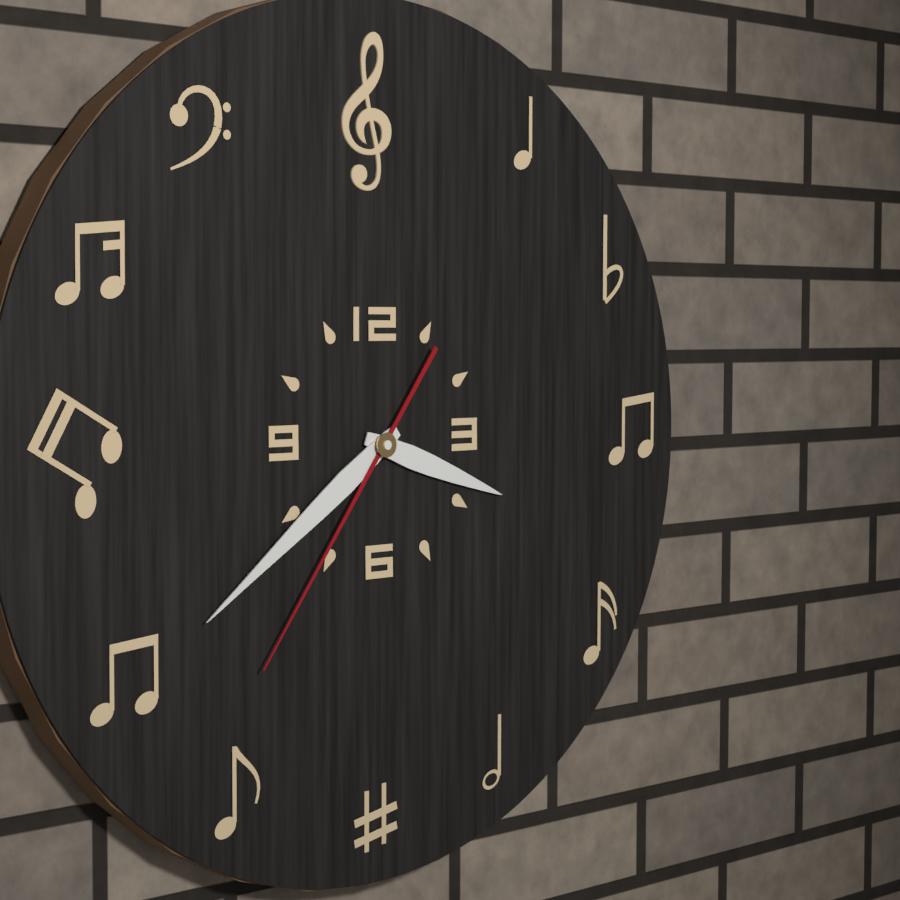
3 h 39 min 36 s
